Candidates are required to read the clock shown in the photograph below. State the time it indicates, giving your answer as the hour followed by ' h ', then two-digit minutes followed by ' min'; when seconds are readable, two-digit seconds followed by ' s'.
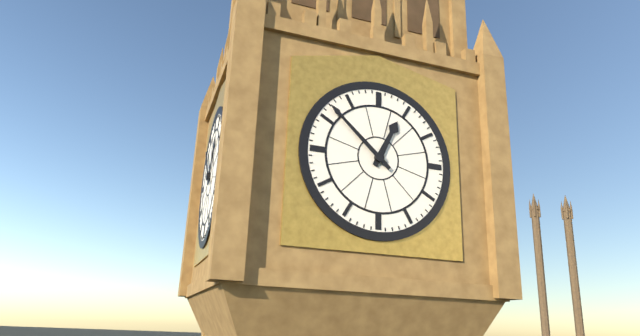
12 h 52 min
